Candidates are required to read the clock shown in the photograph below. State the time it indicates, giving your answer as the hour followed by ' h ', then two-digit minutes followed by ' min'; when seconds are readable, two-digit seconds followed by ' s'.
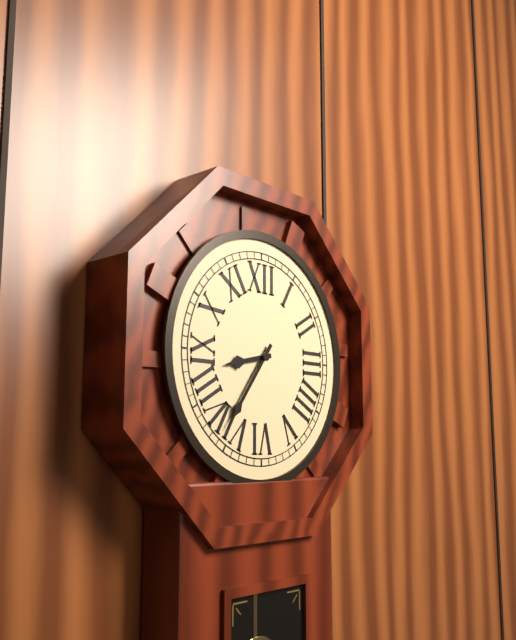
8 h 36 min
